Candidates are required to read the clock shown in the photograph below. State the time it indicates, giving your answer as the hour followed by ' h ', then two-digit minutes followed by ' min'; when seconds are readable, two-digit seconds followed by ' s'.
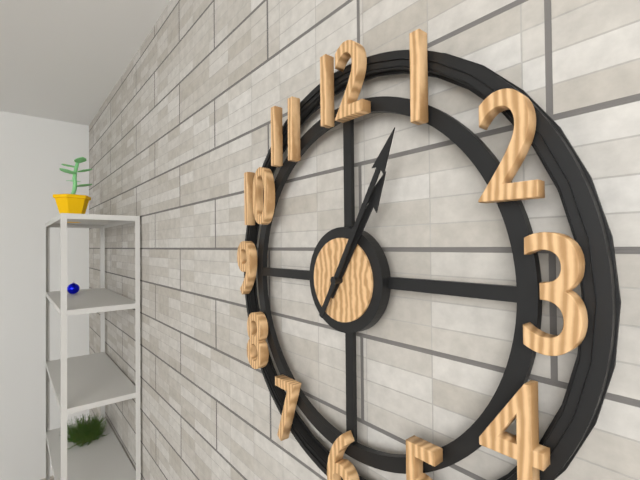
1 h 05 min
